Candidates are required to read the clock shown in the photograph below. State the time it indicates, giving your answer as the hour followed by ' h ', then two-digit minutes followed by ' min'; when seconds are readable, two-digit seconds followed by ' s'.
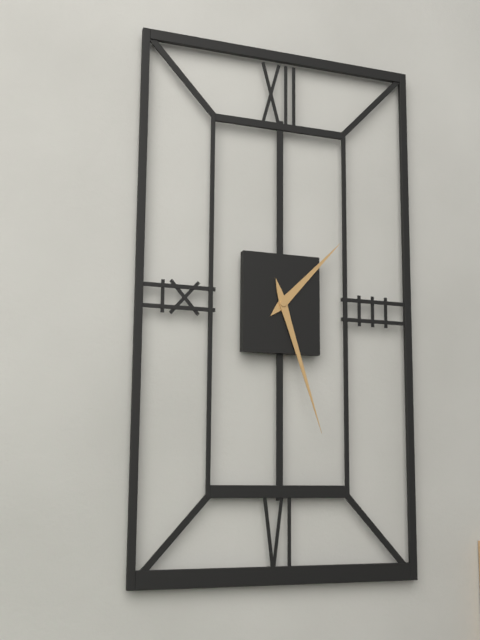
1 h 27 min
